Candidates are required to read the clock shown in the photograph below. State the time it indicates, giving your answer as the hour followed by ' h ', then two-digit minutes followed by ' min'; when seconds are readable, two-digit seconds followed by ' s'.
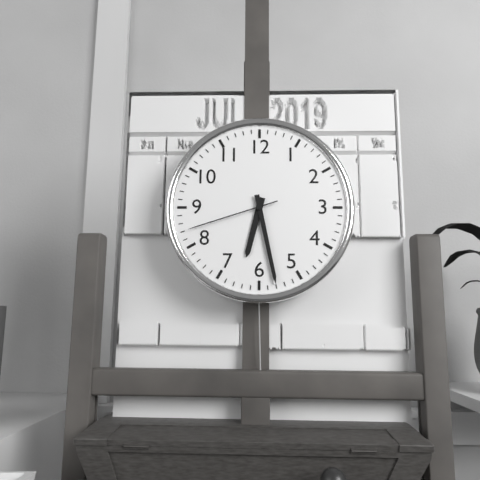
6 h 28 min 42 s
